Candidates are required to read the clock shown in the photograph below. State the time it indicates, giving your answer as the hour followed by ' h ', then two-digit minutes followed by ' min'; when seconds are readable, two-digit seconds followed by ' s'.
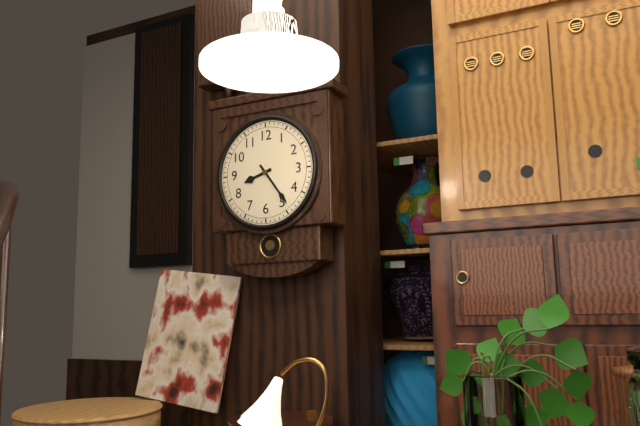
8 h 24 min
